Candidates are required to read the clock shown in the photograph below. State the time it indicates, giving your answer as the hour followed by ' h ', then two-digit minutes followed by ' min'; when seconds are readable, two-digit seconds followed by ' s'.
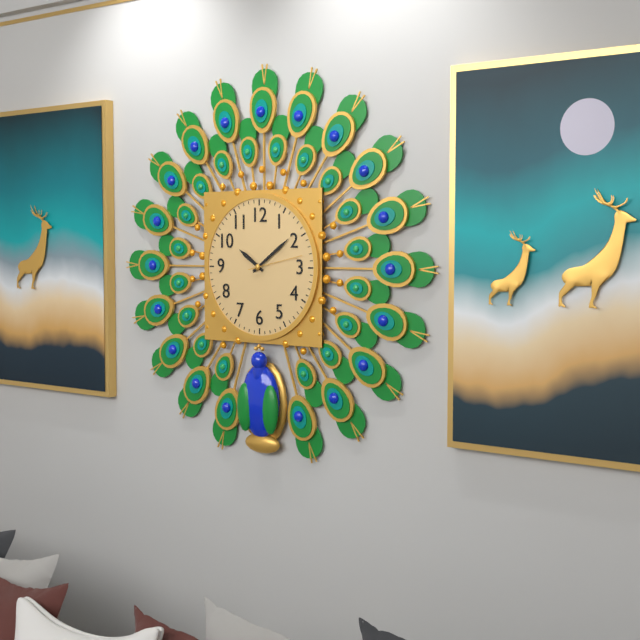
10 h 09 min
